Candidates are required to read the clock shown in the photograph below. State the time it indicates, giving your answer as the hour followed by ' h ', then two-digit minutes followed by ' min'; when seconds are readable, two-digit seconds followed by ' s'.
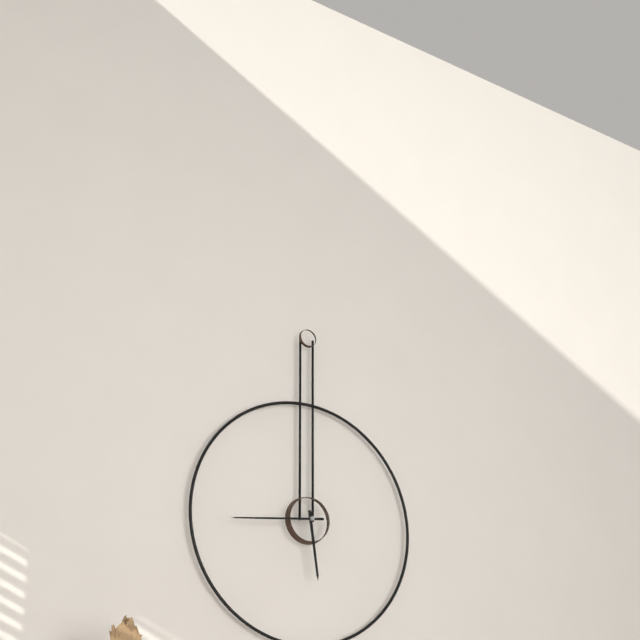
5 h 44 min
